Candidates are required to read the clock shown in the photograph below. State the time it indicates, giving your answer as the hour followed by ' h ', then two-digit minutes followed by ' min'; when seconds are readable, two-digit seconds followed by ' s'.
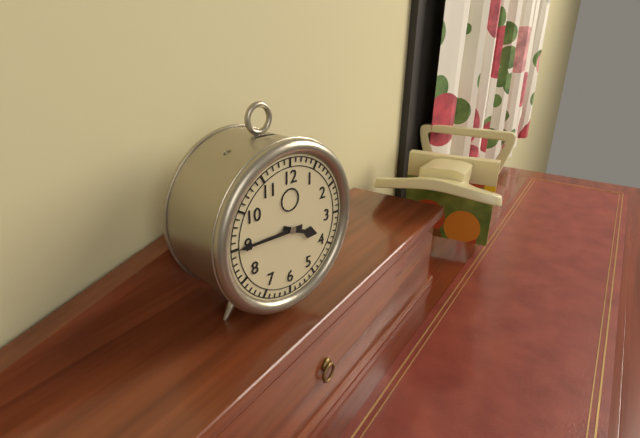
3 h 45 min
